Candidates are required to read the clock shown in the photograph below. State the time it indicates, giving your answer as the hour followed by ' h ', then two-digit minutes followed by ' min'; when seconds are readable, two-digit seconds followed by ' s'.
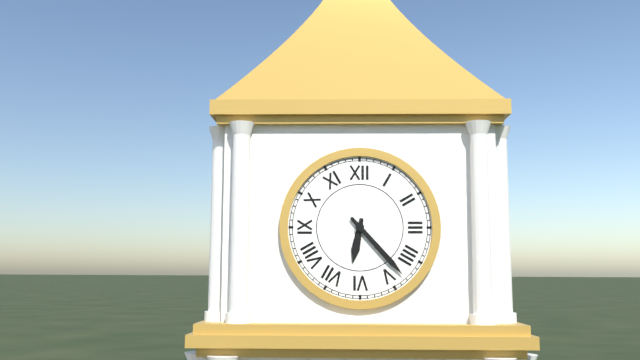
6 h 23 min
